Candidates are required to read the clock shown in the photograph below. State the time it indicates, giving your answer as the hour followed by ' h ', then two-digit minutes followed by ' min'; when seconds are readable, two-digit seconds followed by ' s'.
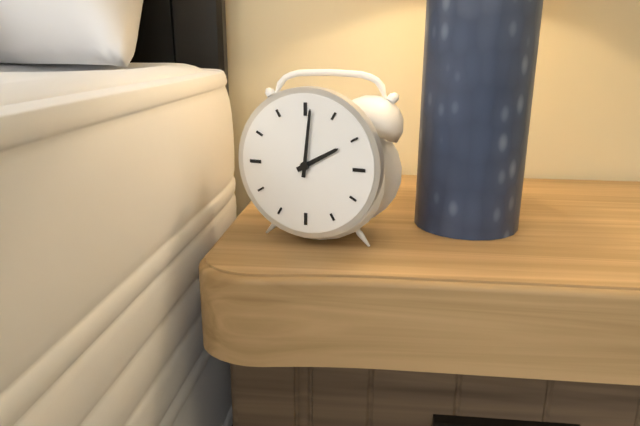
2 h 01 min
